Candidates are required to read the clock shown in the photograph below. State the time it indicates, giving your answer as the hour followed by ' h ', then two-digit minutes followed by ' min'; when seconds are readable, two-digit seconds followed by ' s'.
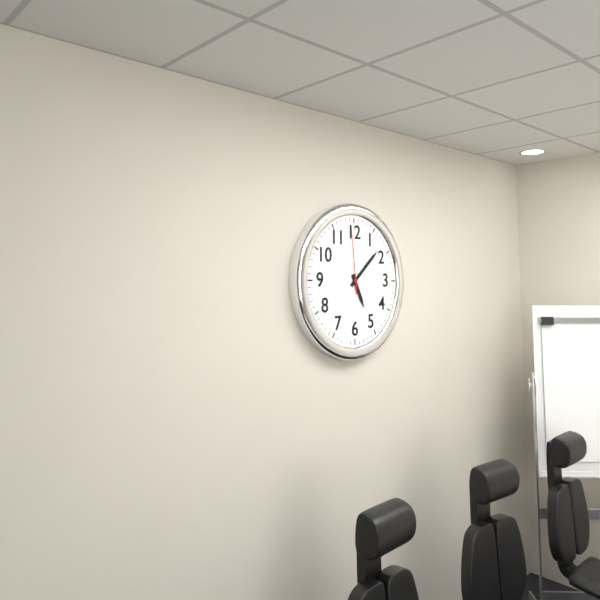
5 h 08 min 59 s
